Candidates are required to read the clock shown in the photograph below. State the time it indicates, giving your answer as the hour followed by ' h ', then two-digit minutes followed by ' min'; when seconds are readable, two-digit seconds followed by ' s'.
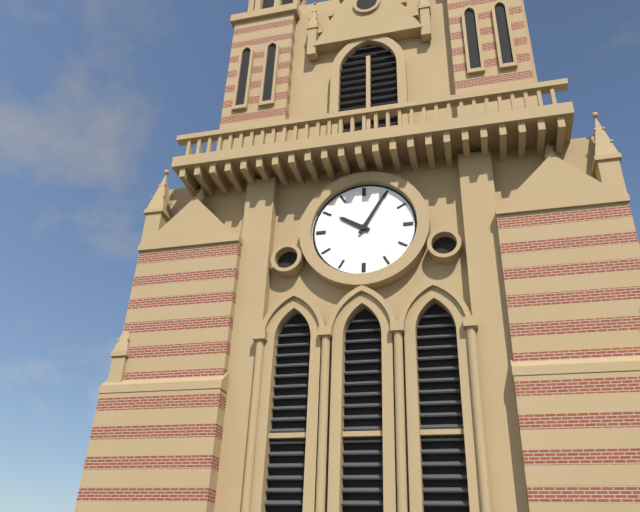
10 h 05 min
